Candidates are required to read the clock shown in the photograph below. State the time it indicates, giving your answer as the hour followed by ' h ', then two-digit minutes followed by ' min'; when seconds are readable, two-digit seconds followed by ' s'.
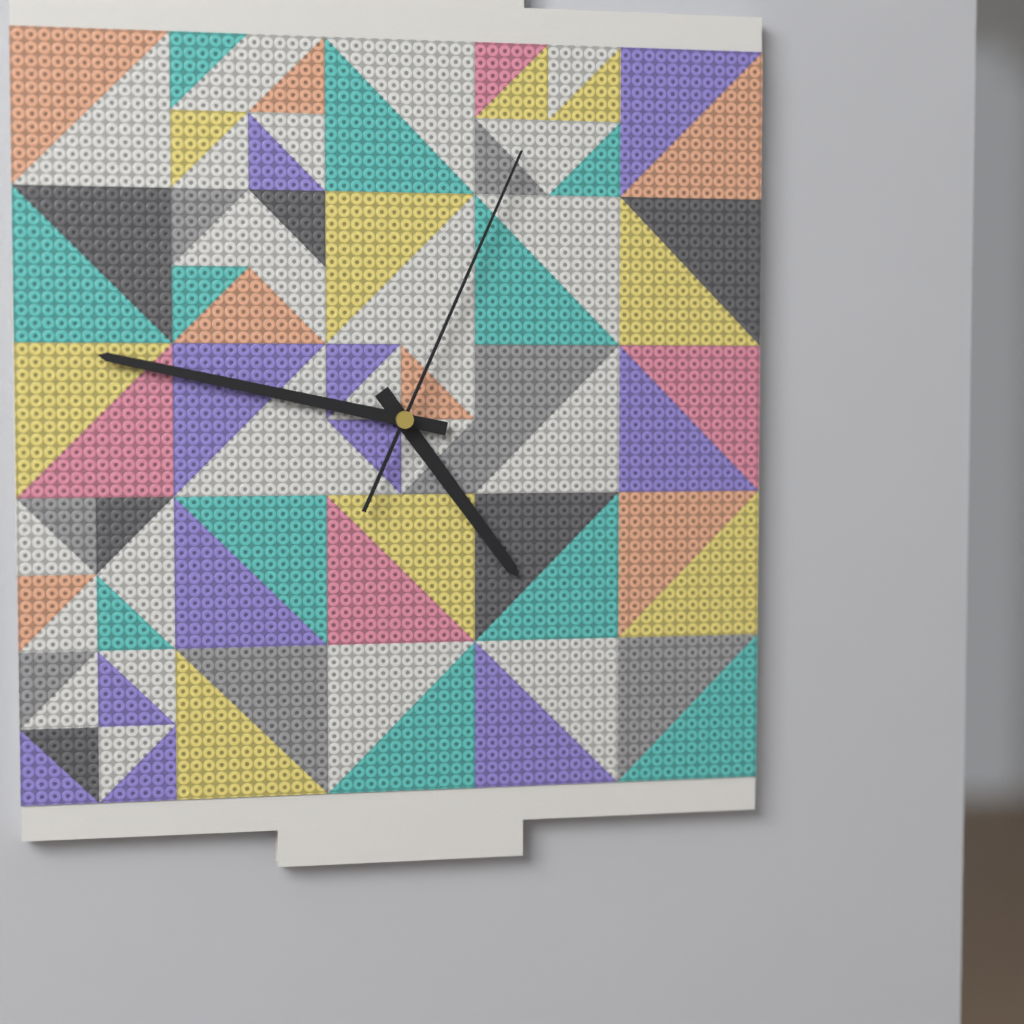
4 h 47 min 04 s
